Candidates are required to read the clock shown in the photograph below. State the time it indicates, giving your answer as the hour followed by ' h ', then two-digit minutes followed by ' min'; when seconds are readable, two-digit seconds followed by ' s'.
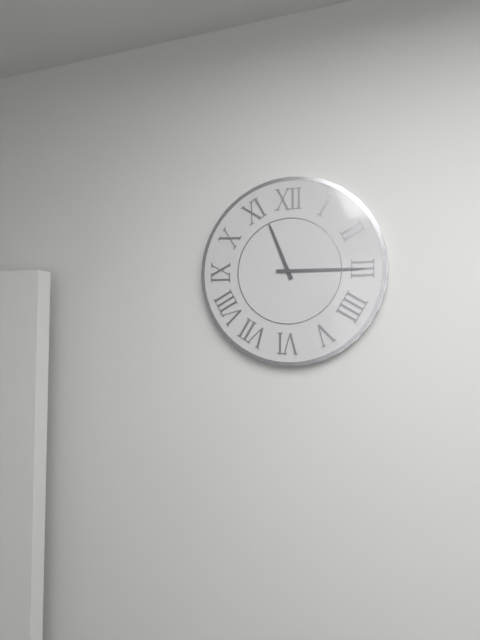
11 h 15 min
